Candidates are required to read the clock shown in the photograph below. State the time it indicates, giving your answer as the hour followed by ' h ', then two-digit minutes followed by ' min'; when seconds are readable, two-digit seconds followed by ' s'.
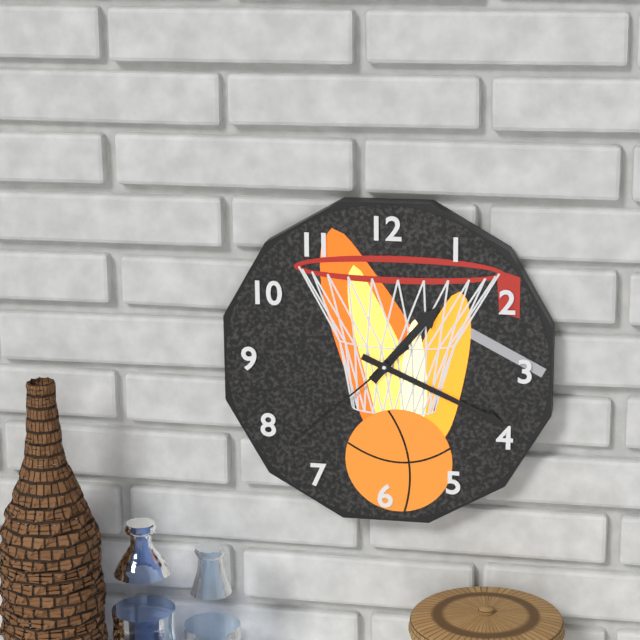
1 h 19 min 38 s
